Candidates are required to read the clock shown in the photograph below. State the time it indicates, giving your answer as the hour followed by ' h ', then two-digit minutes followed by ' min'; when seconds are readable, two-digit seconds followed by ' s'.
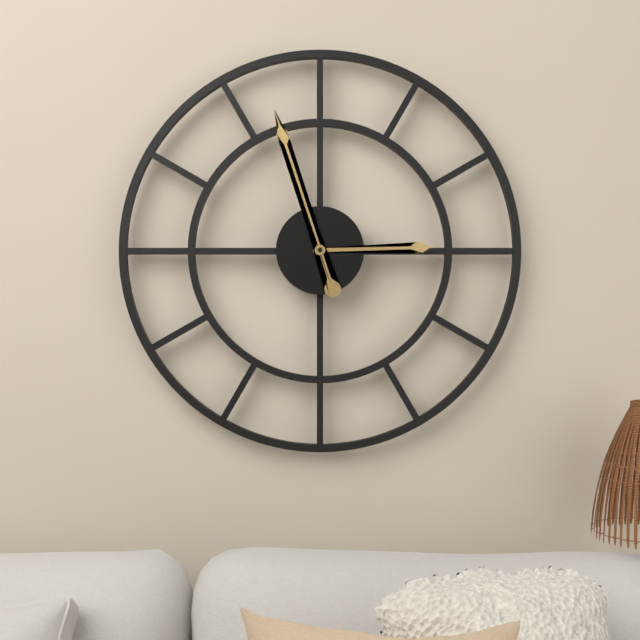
2 h 57 min
